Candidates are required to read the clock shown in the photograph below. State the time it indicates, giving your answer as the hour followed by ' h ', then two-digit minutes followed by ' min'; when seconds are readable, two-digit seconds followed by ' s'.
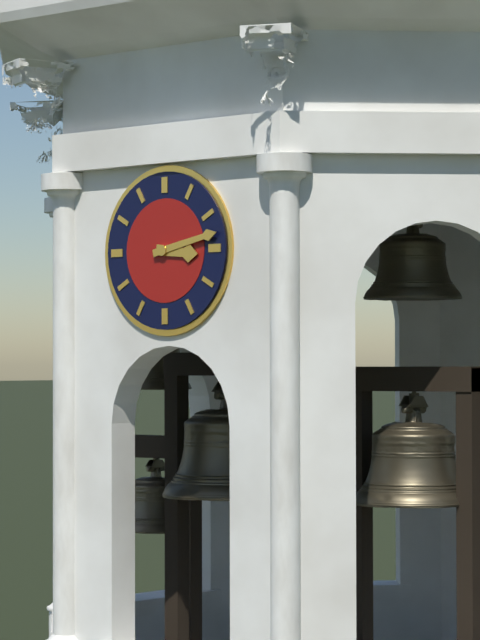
3 h 13 min
